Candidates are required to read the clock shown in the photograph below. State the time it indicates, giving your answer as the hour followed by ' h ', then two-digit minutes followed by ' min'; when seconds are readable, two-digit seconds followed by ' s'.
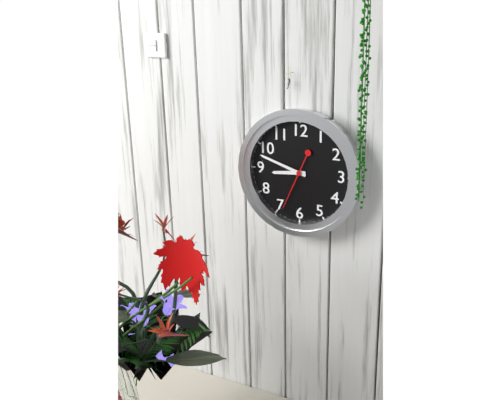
8 h 48 min 34 s
